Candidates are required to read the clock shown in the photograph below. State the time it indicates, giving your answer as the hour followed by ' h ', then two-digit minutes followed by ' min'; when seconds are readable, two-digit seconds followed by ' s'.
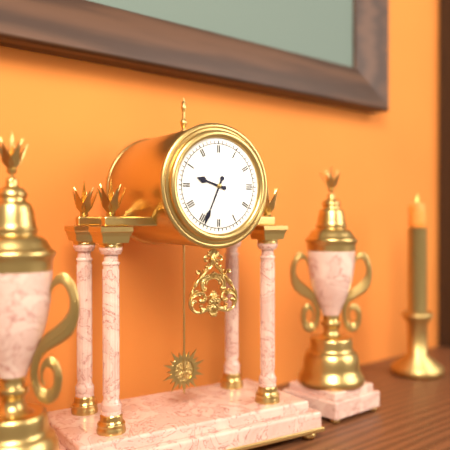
9 h 34 min
